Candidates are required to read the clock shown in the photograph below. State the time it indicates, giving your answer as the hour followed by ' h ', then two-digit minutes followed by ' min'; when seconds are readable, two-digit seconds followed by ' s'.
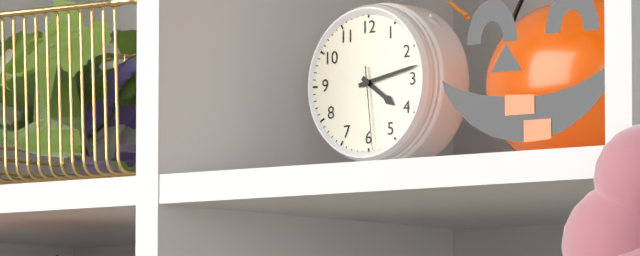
4 h 13 min 29 s
